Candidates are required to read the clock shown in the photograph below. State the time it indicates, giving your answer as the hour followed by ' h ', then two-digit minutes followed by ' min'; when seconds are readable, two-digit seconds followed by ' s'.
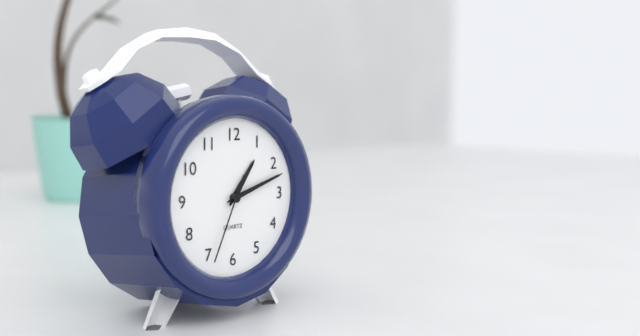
1 h 12 min 34 s
